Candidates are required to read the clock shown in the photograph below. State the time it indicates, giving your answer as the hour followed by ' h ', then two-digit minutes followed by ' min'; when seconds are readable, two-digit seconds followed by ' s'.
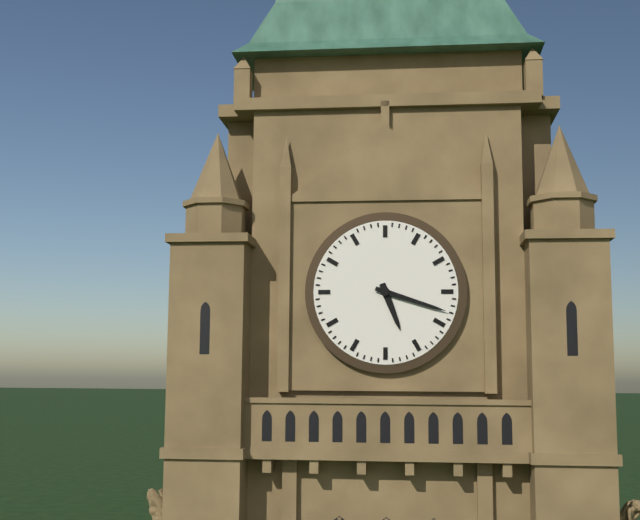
5 h 18 min
